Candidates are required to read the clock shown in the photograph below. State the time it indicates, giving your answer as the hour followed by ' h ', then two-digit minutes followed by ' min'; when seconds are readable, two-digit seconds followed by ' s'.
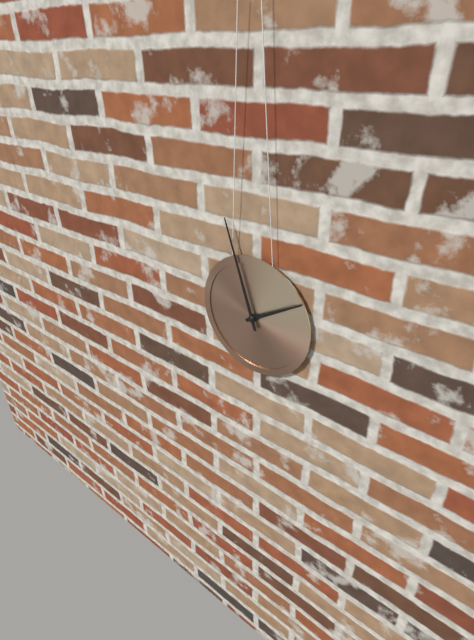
1 h 57 min
